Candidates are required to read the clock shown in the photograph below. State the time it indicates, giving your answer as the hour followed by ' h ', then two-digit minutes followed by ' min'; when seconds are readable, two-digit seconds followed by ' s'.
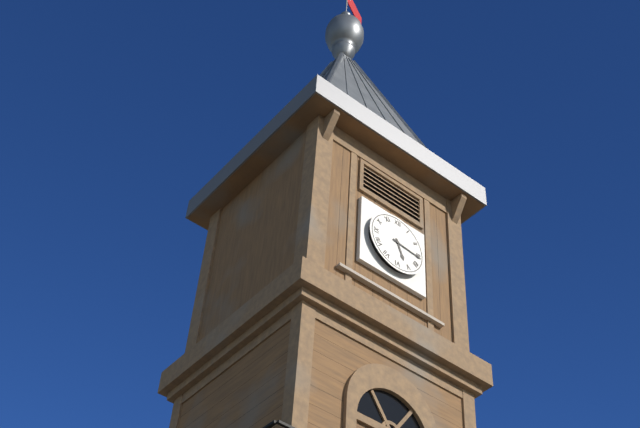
5 h 16 min
